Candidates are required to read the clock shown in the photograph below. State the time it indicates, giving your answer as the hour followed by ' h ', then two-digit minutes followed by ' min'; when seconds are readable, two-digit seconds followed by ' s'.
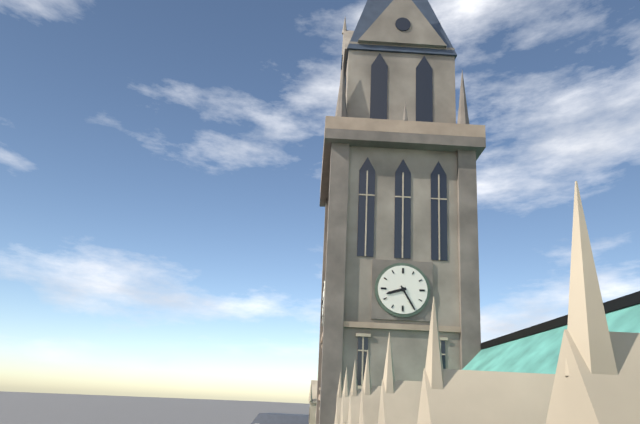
8 h 25 min
